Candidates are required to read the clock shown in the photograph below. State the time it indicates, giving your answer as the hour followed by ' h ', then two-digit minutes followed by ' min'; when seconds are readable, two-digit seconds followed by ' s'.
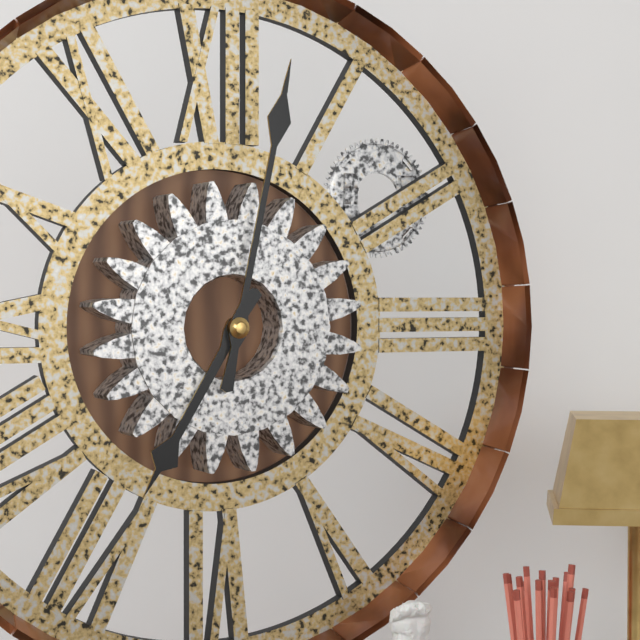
7 h 02 min
